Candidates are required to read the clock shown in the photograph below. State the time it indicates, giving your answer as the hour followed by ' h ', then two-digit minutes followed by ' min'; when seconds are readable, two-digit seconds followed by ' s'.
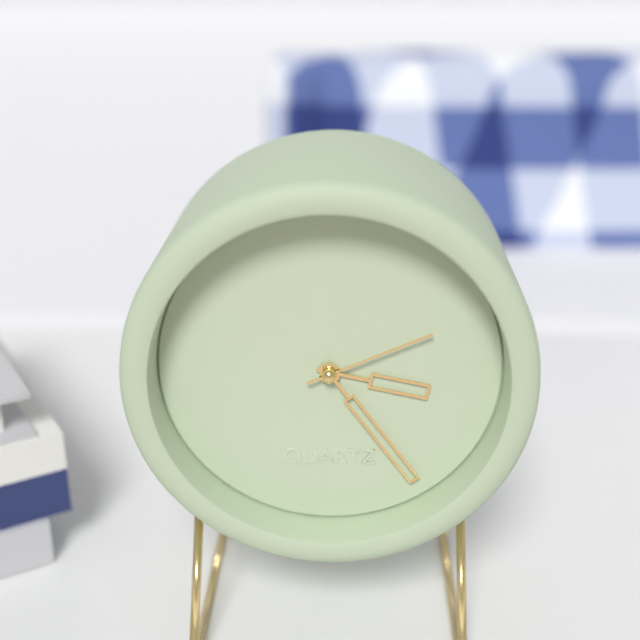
3 h 24 min 11 s
